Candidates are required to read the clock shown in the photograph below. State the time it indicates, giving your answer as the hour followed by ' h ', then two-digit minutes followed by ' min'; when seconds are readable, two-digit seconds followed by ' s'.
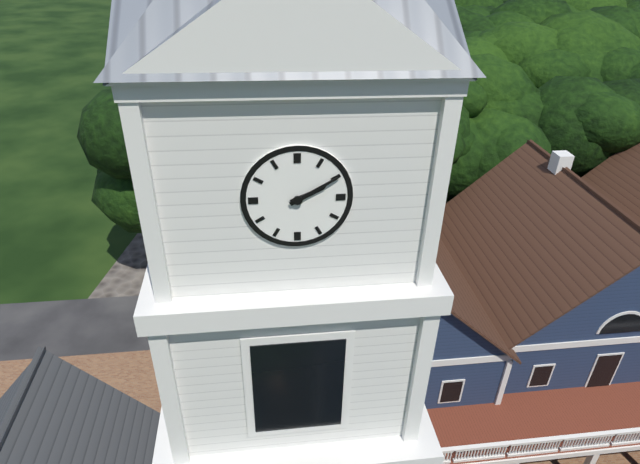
2 h 10 min
